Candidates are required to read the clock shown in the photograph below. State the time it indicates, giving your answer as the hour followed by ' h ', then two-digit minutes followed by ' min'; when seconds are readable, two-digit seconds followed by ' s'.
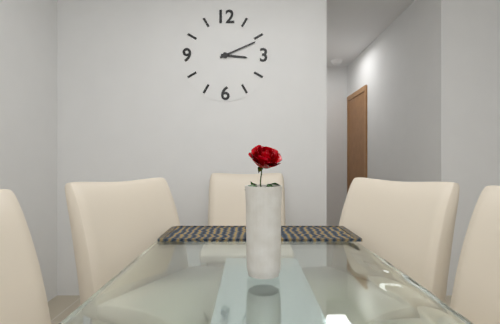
3 h 11 min
